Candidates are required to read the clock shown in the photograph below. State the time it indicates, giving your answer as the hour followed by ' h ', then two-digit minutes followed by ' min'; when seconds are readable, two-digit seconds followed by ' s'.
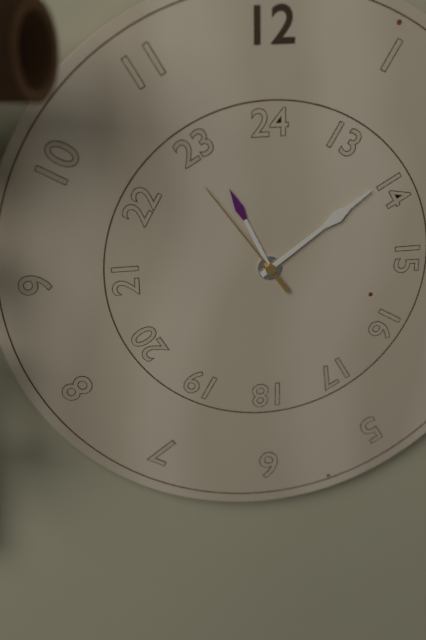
11 h 09 min 54 s
